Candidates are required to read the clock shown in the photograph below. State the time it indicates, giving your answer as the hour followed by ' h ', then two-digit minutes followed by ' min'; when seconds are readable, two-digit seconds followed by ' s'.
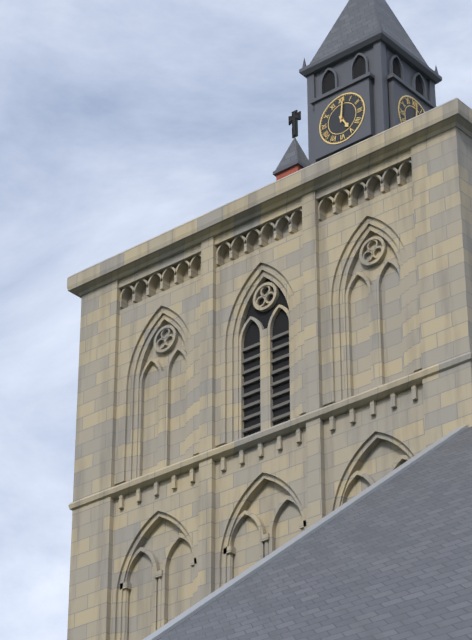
5 h 01 min
